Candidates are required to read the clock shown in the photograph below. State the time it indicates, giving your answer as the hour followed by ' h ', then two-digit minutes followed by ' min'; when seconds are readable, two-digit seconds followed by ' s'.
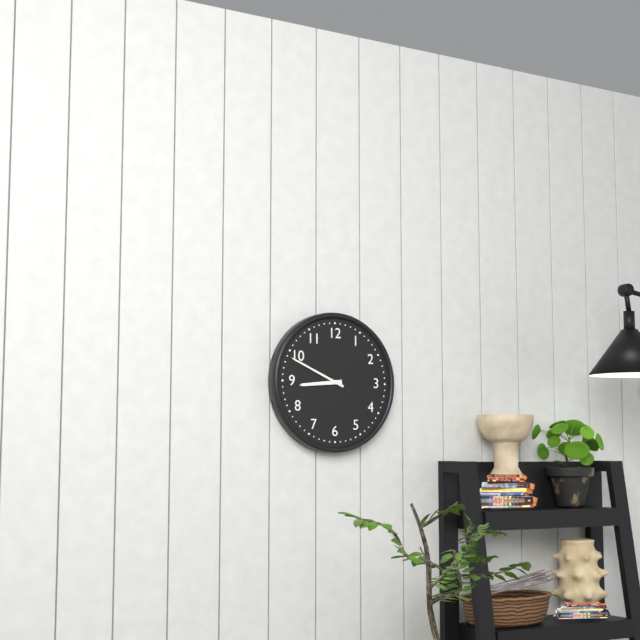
8 h 49 min
